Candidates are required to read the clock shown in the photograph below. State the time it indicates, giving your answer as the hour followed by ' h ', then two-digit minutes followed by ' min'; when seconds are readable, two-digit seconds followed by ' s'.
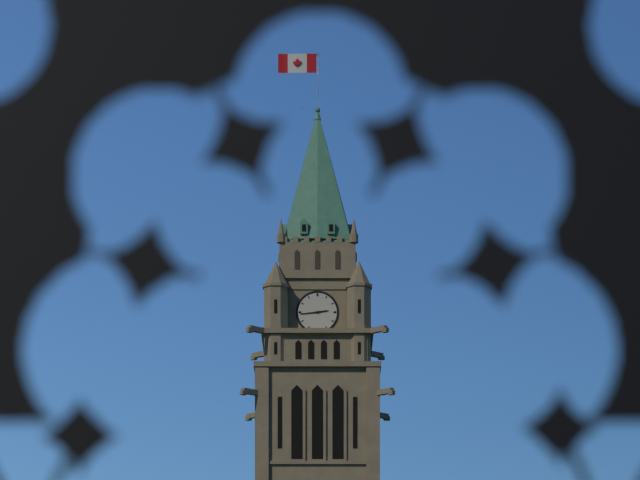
2 h 44 min
